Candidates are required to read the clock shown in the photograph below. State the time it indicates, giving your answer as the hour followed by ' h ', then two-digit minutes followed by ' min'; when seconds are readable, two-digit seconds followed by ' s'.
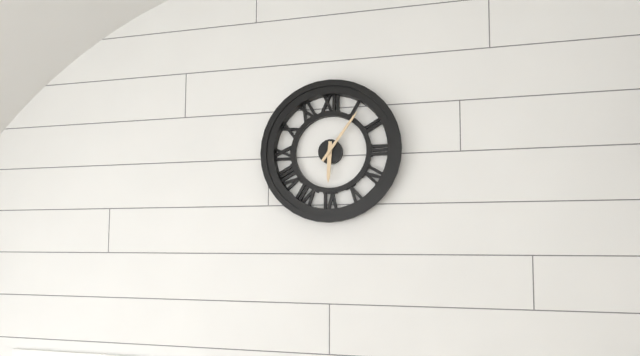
6 h 06 min
